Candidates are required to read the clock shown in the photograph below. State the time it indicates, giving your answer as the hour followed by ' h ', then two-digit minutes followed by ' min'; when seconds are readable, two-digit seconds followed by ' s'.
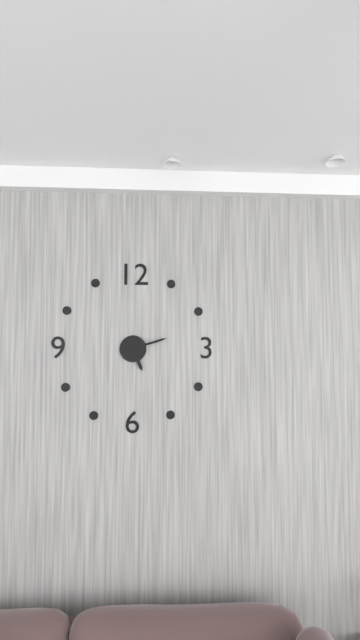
5 h 12 min
